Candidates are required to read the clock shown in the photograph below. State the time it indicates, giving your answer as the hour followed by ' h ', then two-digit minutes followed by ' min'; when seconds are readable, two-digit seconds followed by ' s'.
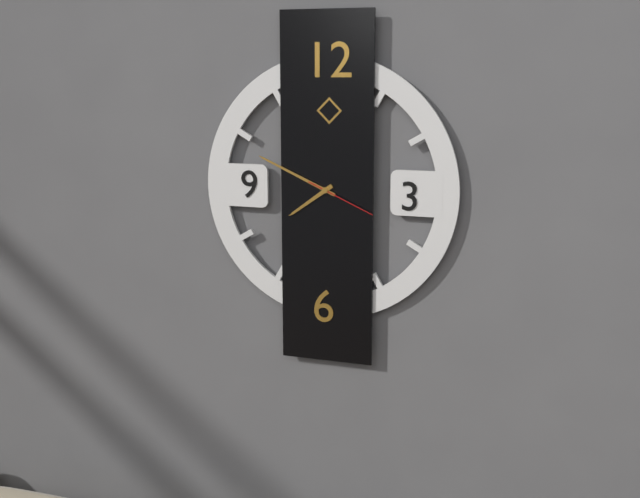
7 h 49 min 19 s
